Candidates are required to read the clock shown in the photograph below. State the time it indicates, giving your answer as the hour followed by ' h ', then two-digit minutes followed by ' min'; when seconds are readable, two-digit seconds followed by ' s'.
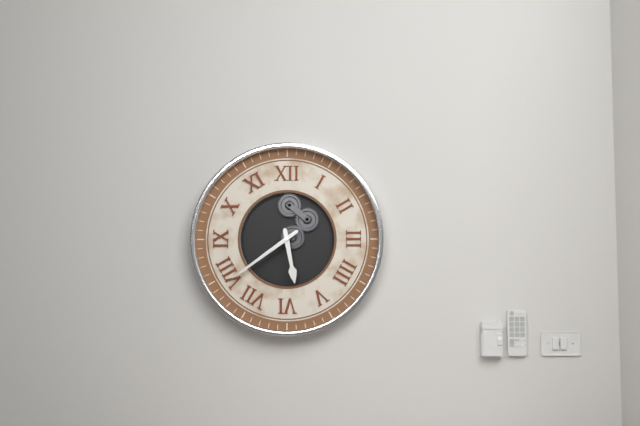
5 h 39 min
